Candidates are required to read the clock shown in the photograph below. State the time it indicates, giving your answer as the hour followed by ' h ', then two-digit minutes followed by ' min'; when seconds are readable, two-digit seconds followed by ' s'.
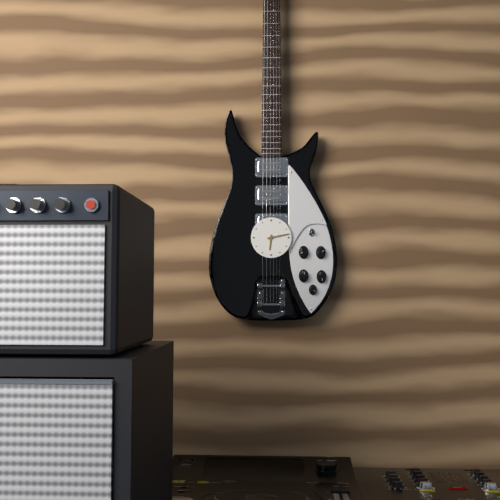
6 h 13 min
